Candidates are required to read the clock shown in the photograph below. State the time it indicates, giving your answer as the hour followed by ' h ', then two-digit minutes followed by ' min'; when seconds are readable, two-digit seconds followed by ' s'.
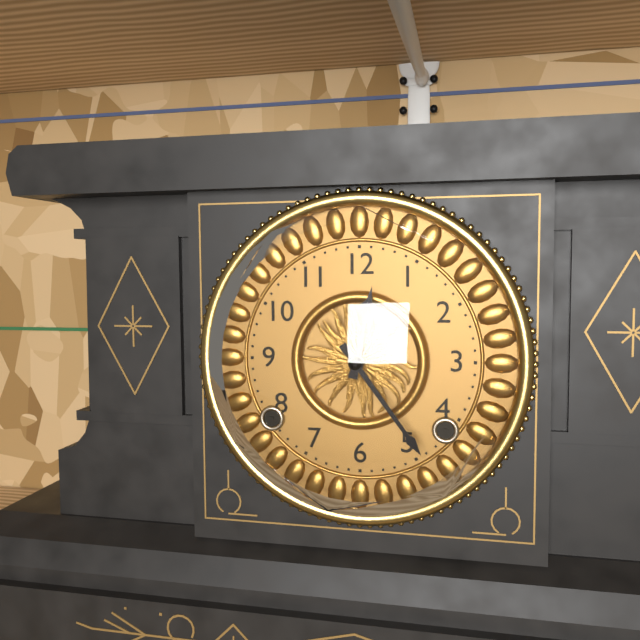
12 h 24 min
